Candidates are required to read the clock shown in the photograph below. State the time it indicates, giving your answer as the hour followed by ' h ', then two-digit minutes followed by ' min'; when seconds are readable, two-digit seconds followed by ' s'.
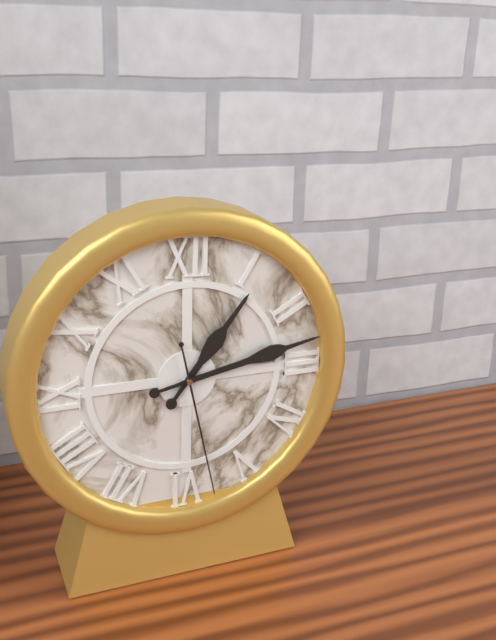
1 h 13 min 28 s
